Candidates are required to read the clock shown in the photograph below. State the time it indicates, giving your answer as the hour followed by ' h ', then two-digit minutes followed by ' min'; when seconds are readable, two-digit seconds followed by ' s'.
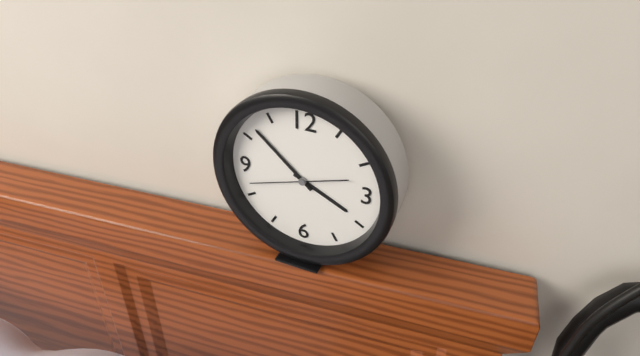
3 h 52 min 42 s
